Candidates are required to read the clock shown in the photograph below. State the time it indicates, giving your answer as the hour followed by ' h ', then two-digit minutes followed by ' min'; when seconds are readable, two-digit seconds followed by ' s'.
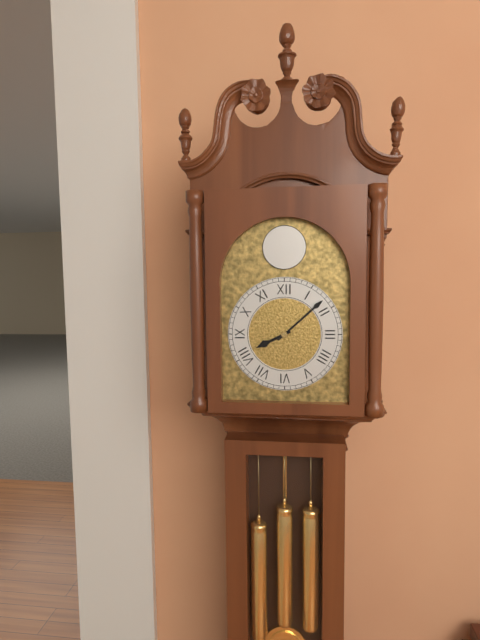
8 h 08 min
